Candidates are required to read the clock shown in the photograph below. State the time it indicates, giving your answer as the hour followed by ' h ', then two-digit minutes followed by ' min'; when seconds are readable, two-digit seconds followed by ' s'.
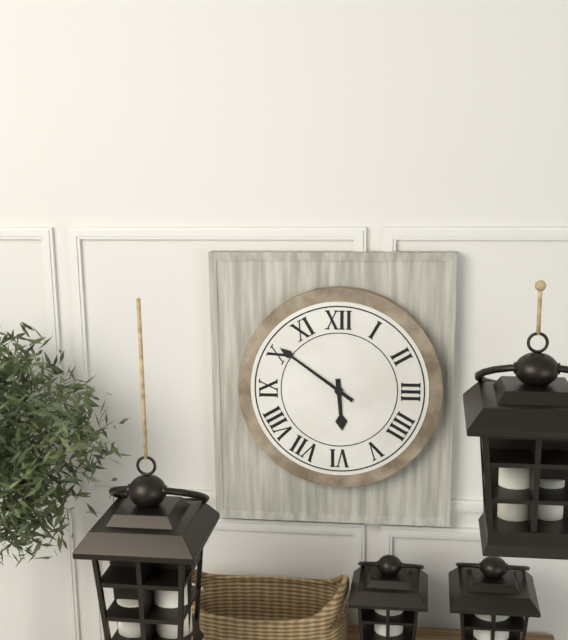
5 h 51 min
